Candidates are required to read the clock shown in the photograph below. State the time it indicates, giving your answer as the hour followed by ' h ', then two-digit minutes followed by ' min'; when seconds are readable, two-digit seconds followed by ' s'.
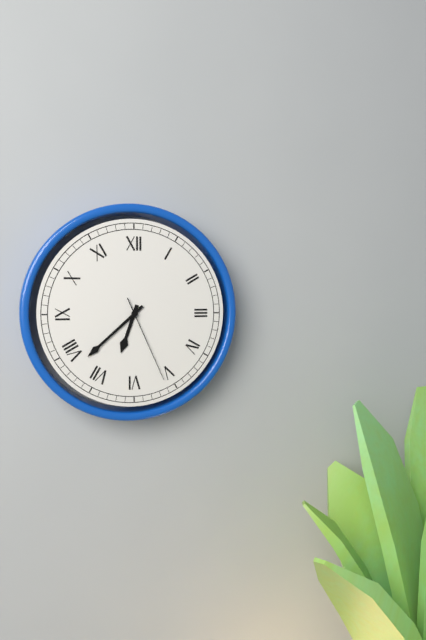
6 h 38 min 26 s
